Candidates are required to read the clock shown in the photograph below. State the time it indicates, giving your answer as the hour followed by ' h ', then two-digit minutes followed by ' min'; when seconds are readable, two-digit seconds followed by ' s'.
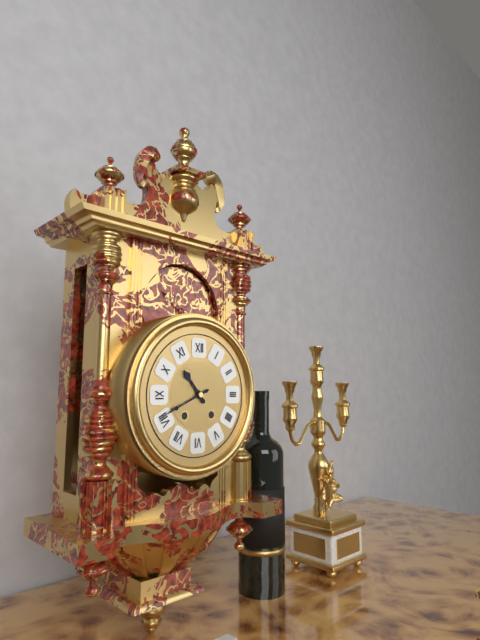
10 h 41 min
